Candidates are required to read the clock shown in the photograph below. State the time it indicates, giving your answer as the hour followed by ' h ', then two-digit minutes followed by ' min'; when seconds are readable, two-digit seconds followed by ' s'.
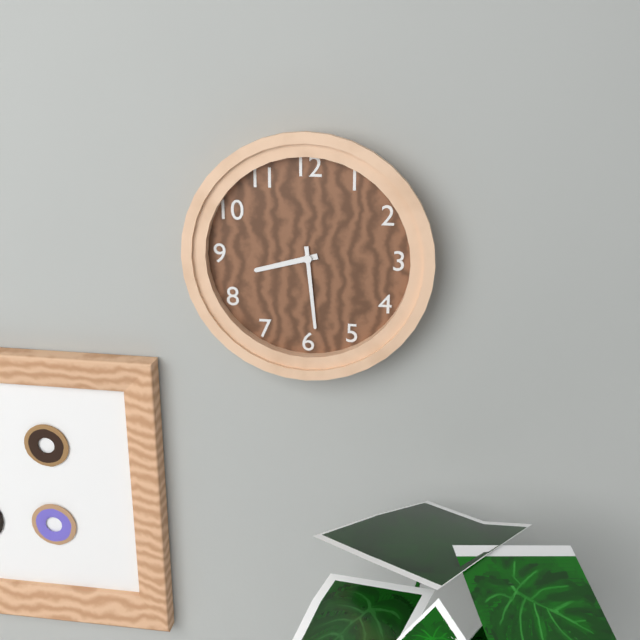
8 h 29 min
